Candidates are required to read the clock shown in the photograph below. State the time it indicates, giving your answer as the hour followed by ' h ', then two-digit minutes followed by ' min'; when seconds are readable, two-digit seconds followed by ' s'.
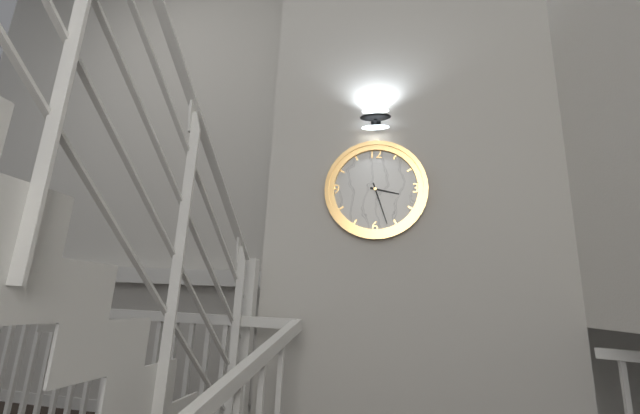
3 h 27 min
